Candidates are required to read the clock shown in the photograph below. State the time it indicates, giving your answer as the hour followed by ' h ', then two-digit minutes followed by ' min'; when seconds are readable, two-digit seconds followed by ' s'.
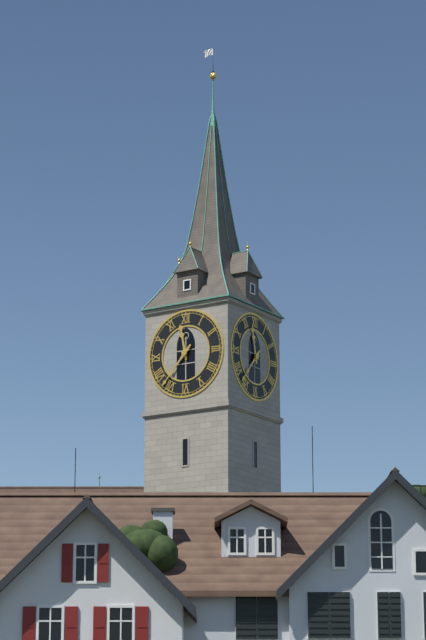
11 h 37 min
